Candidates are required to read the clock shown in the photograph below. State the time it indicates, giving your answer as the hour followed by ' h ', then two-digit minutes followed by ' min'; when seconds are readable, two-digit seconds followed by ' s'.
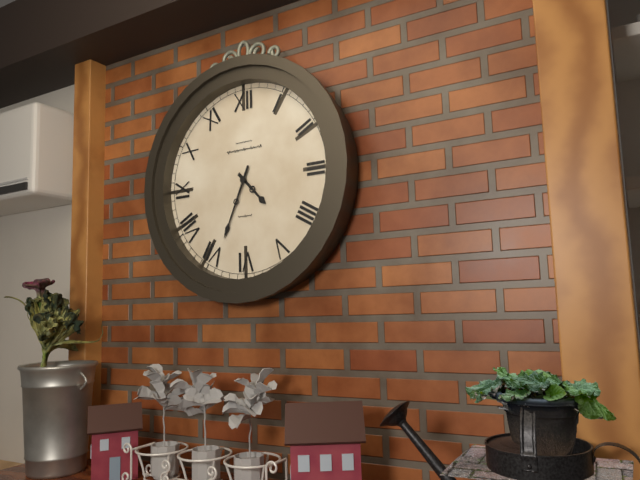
4 h 34 min
